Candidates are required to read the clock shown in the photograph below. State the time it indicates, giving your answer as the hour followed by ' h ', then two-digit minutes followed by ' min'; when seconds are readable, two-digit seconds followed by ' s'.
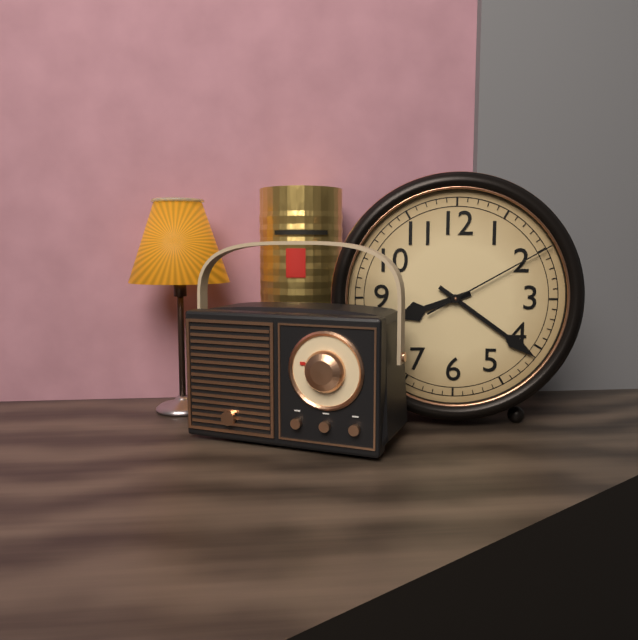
8 h 21 min 10 s
